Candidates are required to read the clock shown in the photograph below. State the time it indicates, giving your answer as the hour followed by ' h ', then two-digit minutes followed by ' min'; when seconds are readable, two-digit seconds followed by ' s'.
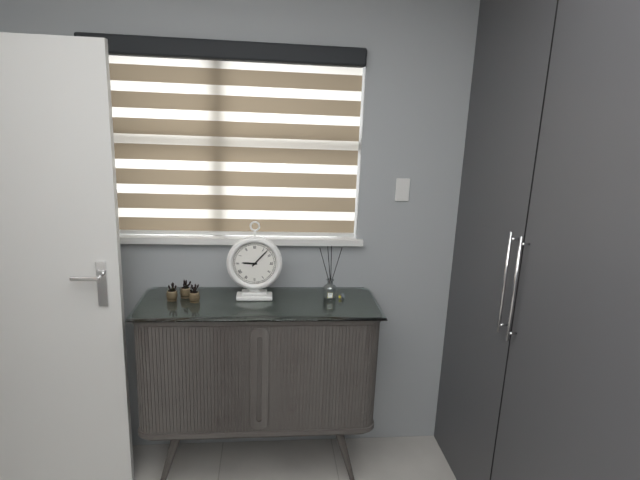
9 h 07 min
